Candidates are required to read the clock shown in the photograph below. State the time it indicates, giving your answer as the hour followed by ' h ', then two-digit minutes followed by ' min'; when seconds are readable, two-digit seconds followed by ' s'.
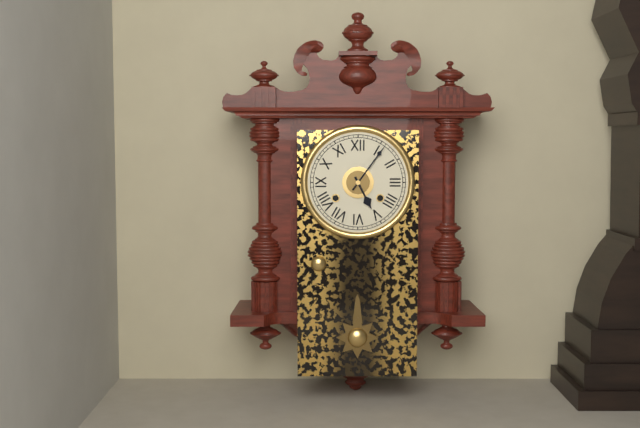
5 h 06 min
